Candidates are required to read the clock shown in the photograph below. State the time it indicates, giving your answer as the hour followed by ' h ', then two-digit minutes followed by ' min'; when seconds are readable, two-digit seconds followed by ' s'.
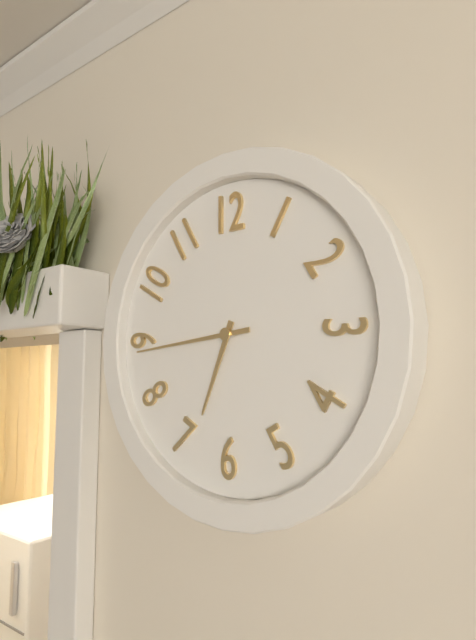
6 h 44 min
